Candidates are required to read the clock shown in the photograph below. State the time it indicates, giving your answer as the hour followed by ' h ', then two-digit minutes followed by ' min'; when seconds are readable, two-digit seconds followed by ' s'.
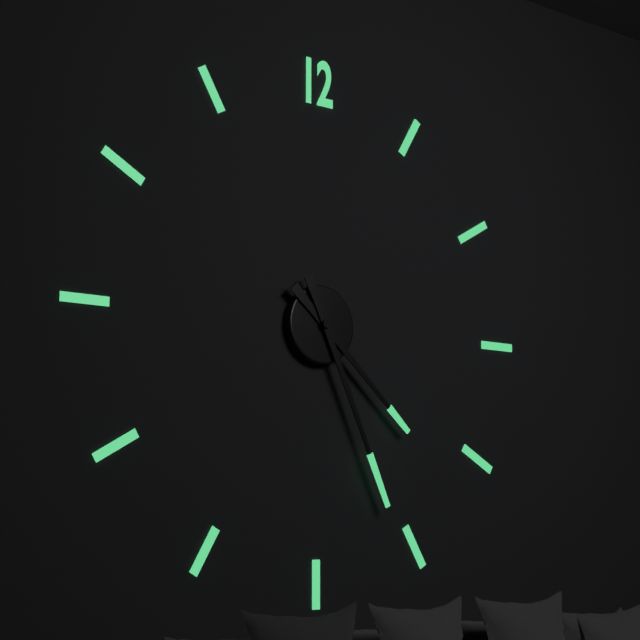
4 h 26 min
